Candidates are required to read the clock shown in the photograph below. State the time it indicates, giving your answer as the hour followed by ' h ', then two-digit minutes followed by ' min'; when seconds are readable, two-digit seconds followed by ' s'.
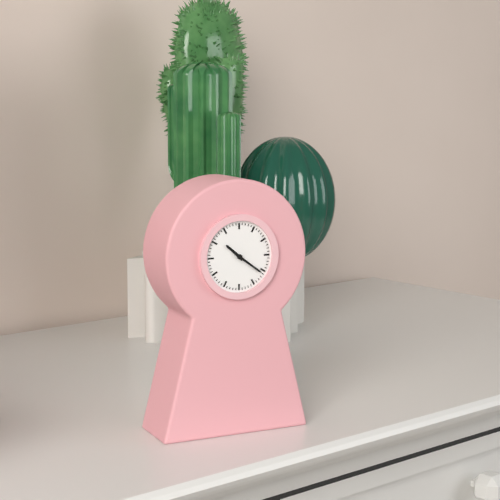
10 h 21 min
